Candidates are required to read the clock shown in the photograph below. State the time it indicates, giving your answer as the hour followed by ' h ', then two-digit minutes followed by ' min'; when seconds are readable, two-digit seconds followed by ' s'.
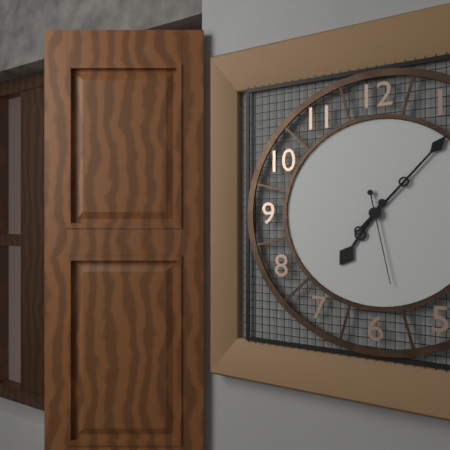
7 h 07 min 28 s
